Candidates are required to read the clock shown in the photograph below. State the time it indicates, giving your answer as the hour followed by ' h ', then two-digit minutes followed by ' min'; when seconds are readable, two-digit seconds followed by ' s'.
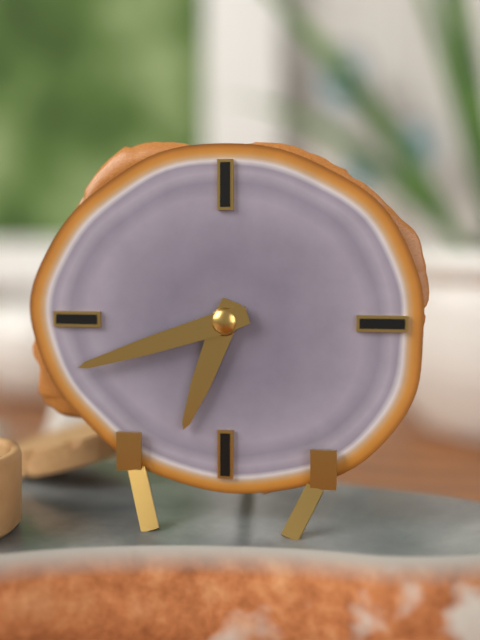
6 h 42 min
